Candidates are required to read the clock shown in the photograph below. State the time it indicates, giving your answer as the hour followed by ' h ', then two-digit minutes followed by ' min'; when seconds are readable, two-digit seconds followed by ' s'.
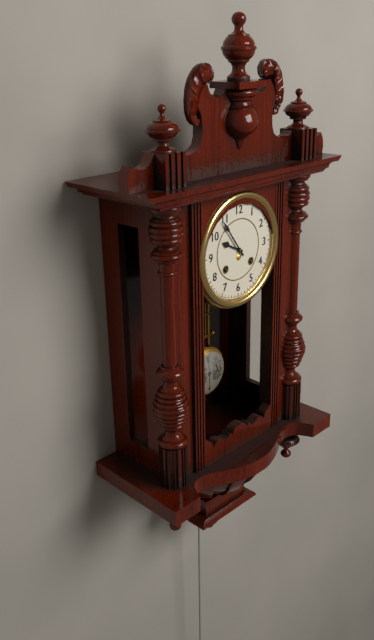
9 h 54 min
